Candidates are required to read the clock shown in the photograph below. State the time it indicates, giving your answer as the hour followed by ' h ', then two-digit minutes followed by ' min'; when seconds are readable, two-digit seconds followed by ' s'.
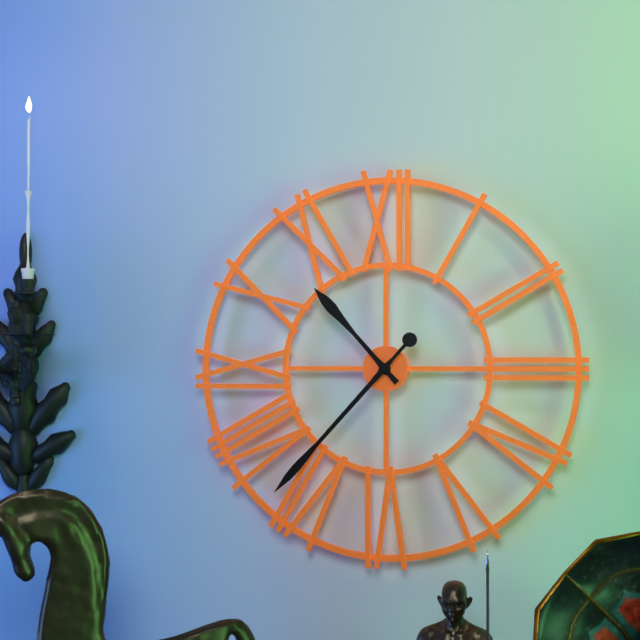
10 h 37 min
